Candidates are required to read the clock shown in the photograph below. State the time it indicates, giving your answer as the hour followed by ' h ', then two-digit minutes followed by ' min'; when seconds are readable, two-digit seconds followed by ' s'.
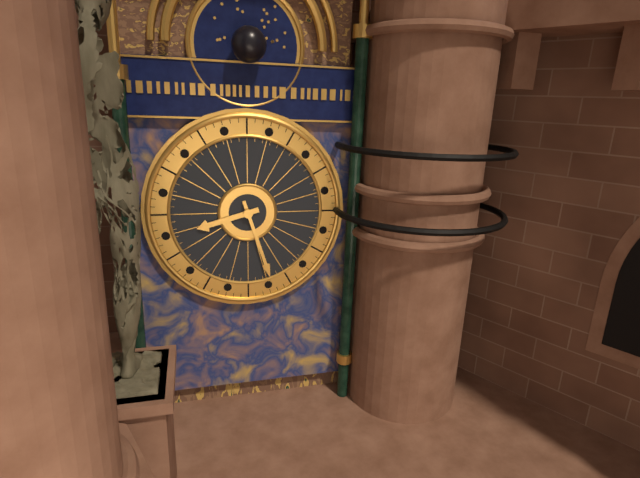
8 h 27 min
